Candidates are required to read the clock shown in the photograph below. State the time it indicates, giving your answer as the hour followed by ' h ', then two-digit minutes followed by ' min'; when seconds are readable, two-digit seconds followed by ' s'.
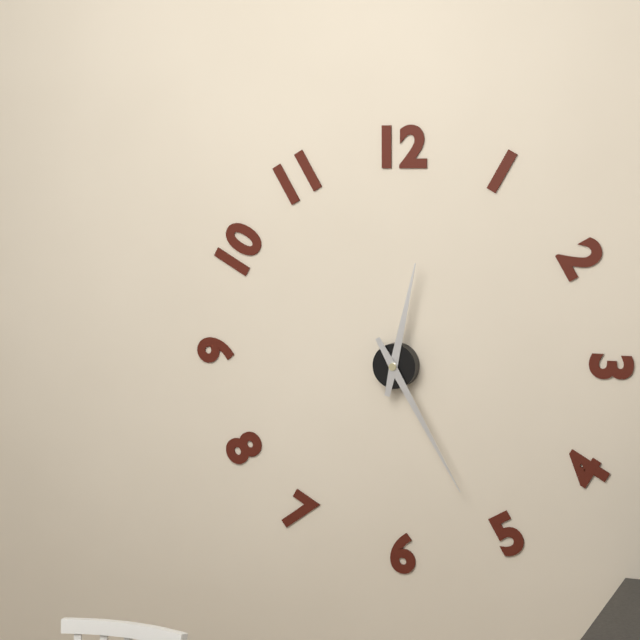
12 h 25 min
